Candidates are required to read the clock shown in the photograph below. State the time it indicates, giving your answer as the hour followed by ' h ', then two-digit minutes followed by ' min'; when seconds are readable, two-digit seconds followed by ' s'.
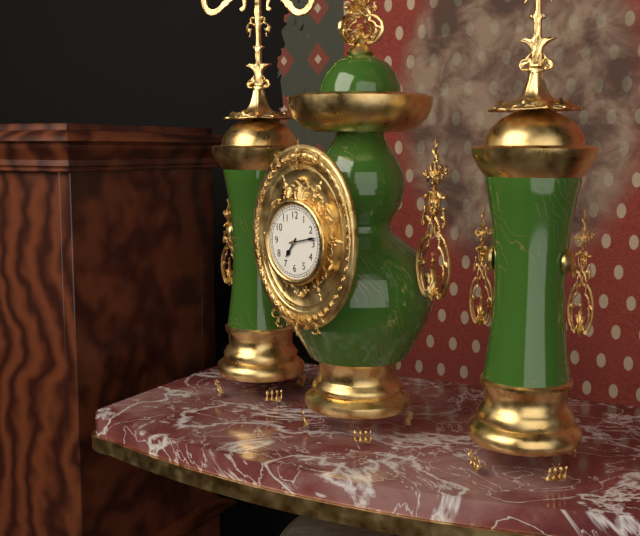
7 h 13 min
